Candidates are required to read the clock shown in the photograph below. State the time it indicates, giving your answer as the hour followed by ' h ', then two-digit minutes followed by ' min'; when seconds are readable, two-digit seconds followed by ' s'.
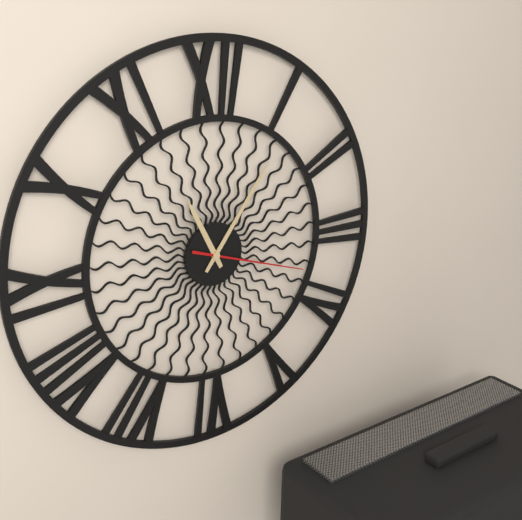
11 h 06 min 18 s
